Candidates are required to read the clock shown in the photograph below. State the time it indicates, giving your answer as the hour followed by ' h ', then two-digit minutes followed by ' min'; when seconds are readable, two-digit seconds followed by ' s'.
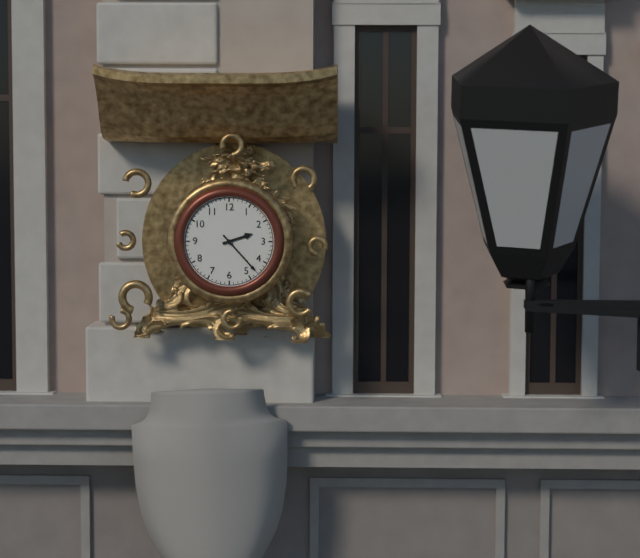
2 h 23 min
